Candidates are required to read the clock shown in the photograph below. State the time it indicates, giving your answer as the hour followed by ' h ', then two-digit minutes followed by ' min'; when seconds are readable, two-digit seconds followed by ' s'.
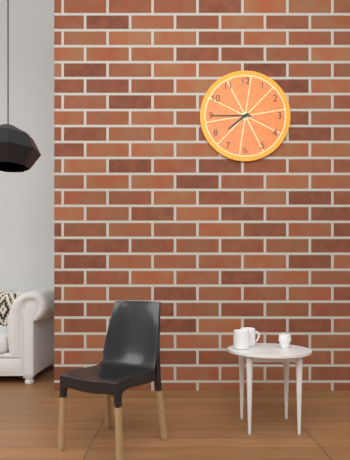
7 h 45 min
